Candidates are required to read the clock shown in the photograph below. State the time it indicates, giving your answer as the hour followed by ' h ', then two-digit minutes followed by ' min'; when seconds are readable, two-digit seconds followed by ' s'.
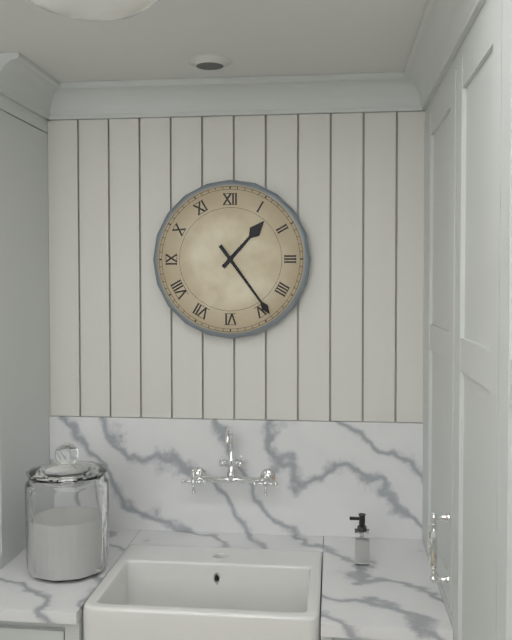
1 h 24 min
